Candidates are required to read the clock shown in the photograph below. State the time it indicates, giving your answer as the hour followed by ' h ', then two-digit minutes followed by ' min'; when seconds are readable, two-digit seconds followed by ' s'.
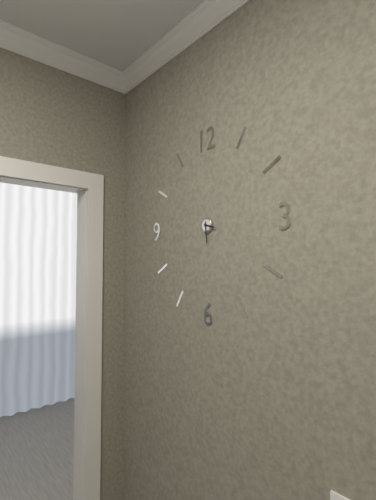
3 h 29 min
